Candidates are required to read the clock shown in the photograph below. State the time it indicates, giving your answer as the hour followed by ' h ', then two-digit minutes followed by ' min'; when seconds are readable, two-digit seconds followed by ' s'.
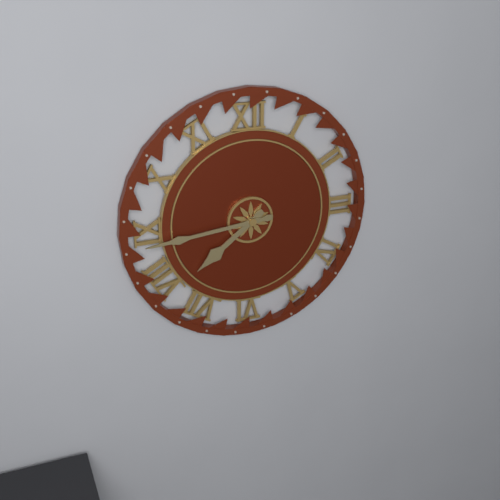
7 h 44 min
